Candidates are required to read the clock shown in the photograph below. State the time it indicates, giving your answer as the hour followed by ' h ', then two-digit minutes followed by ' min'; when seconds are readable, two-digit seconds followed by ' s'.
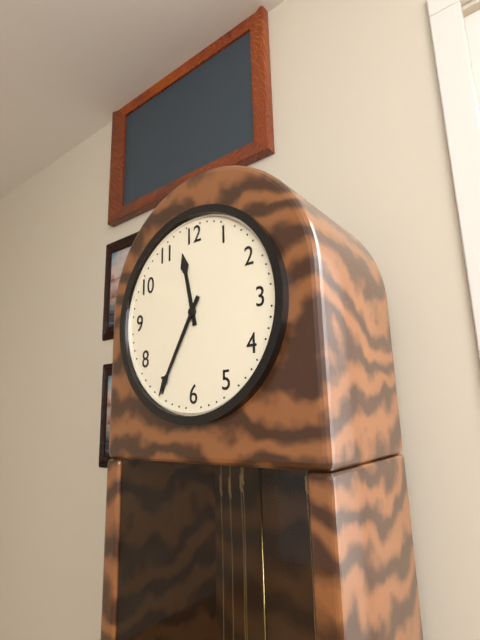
11 h 35 min
